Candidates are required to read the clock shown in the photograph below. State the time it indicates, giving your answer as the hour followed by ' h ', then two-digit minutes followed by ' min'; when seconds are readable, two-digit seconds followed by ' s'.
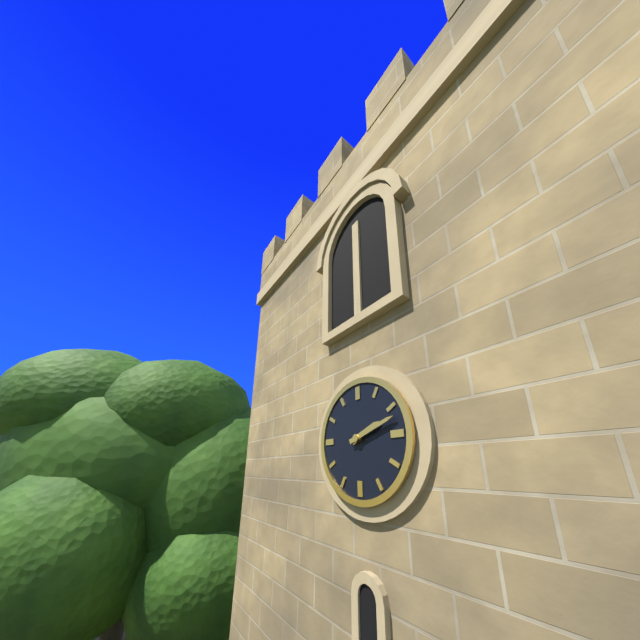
2 h 12 min
